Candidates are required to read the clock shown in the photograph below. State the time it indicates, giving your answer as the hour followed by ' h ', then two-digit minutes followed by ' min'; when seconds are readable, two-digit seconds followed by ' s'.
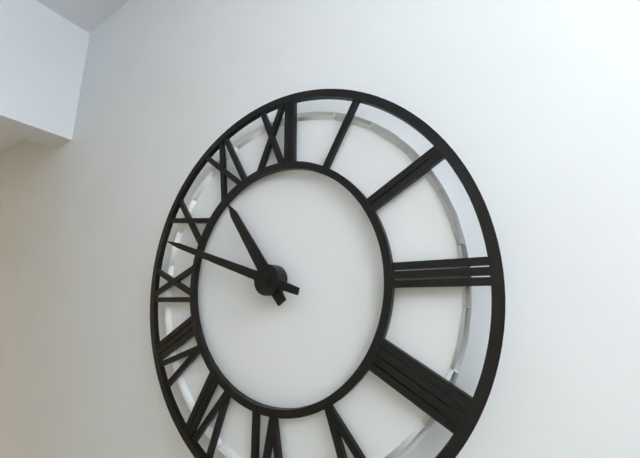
10 h 48 min
